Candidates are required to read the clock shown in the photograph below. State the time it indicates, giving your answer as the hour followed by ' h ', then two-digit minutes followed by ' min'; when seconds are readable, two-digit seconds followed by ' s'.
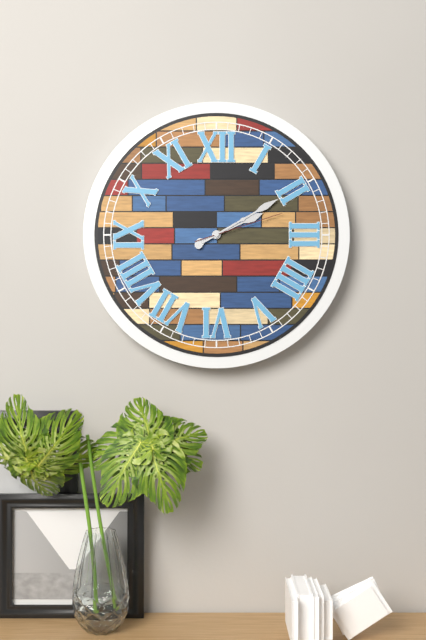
2 h 10 min 12 s
